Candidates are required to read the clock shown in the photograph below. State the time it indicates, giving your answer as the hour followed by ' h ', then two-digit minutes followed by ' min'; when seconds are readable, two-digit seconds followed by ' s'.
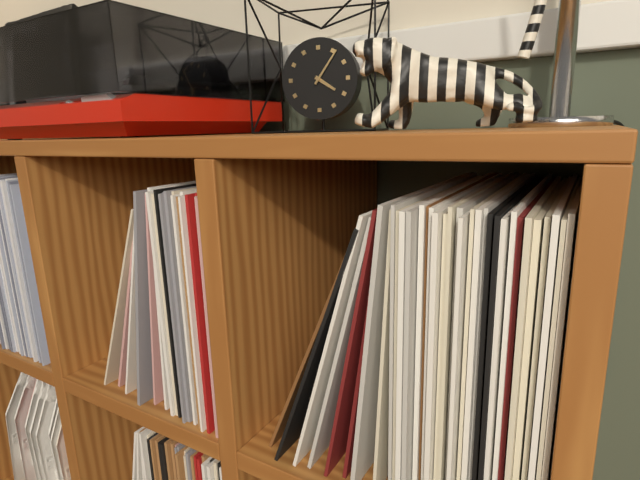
4 h 06 min
